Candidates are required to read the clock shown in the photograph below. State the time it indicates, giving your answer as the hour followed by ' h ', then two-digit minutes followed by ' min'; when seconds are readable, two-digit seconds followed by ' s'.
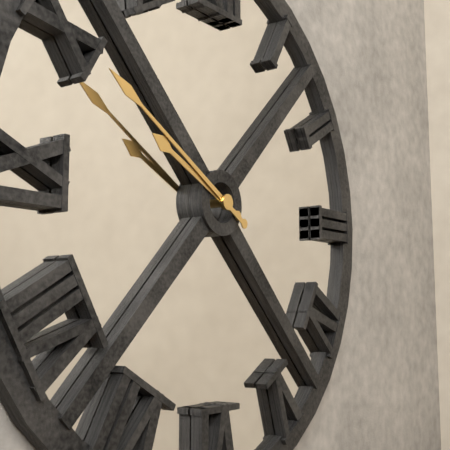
9 h 50 min
